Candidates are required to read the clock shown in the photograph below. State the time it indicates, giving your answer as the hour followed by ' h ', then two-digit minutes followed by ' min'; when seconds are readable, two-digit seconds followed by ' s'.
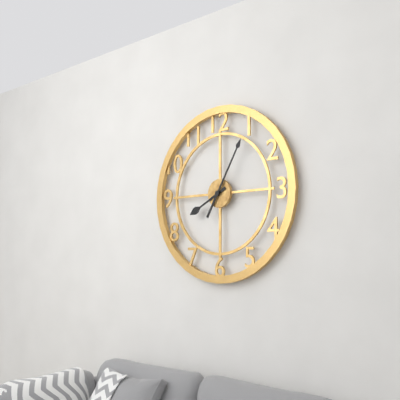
8 h 05 min
